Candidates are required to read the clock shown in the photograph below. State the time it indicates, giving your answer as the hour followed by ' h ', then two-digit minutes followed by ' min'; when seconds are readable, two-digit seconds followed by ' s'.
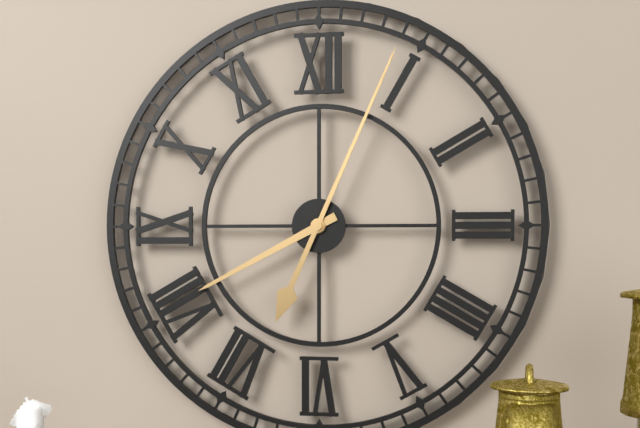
8 h 04 min
